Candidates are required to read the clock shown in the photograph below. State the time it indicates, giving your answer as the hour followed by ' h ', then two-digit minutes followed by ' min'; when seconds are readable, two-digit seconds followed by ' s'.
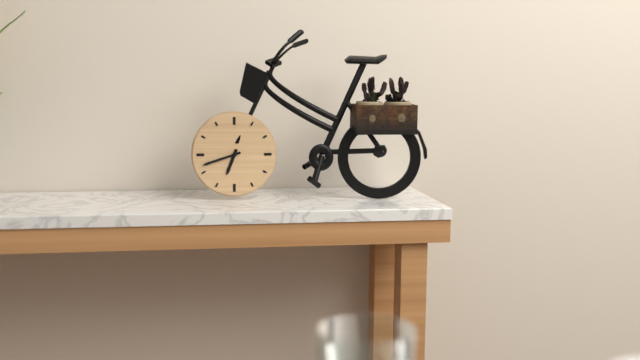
6 h 42 min
